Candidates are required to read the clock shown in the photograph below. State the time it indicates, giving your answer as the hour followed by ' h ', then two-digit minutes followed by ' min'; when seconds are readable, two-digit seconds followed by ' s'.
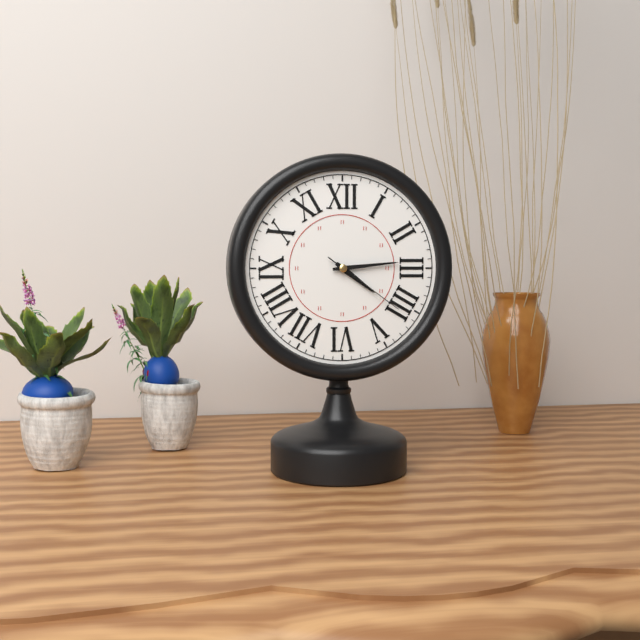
4 h 14 min 21 s
